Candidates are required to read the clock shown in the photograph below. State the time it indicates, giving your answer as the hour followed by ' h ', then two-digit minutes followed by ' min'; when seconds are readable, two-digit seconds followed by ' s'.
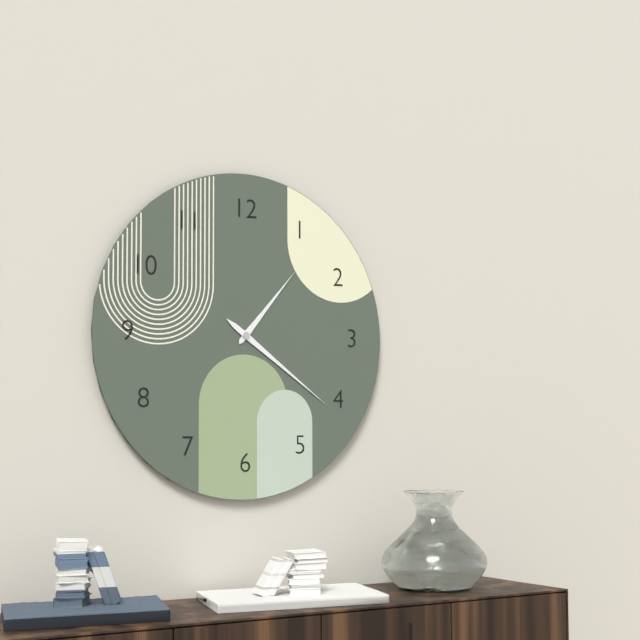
1 h 21 min
